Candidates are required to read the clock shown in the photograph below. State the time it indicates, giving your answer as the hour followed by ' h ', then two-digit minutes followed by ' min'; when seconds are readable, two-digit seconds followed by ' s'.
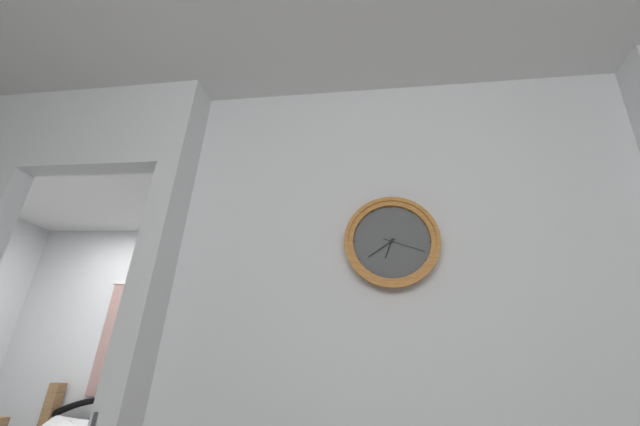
6 h 39 min
